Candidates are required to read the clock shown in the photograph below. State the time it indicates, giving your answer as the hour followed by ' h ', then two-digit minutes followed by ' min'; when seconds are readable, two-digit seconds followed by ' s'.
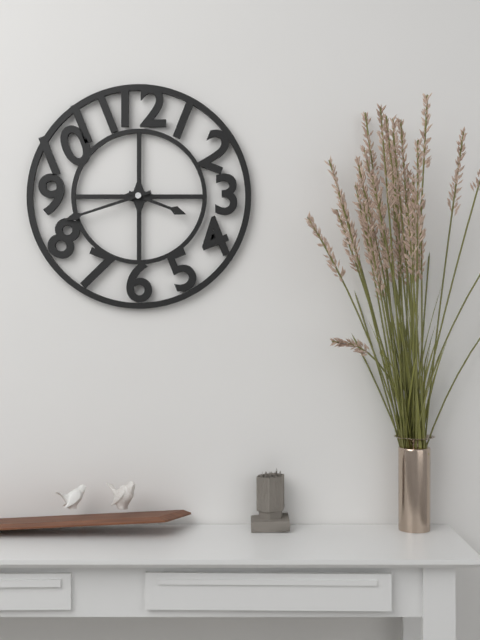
3 h 42 min
